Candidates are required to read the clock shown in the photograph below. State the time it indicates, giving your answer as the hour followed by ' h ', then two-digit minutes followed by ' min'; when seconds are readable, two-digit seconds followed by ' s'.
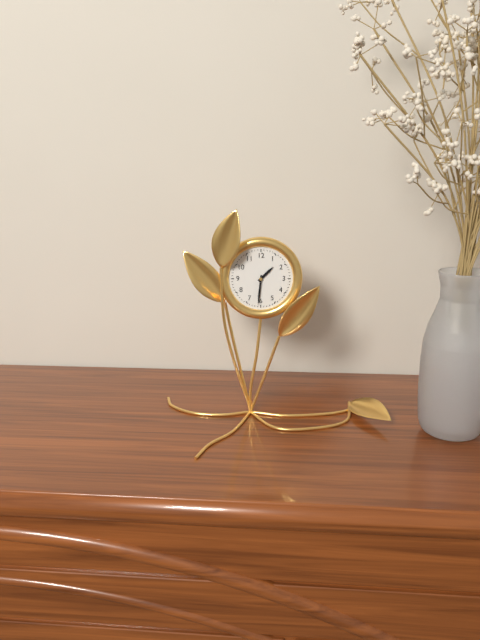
1 h 31 min
